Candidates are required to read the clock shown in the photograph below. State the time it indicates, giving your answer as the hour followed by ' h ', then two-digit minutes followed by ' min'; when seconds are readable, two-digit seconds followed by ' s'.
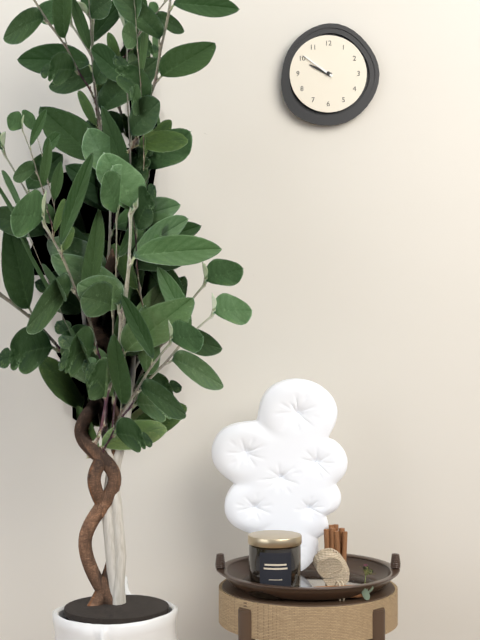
9 h 51 min
